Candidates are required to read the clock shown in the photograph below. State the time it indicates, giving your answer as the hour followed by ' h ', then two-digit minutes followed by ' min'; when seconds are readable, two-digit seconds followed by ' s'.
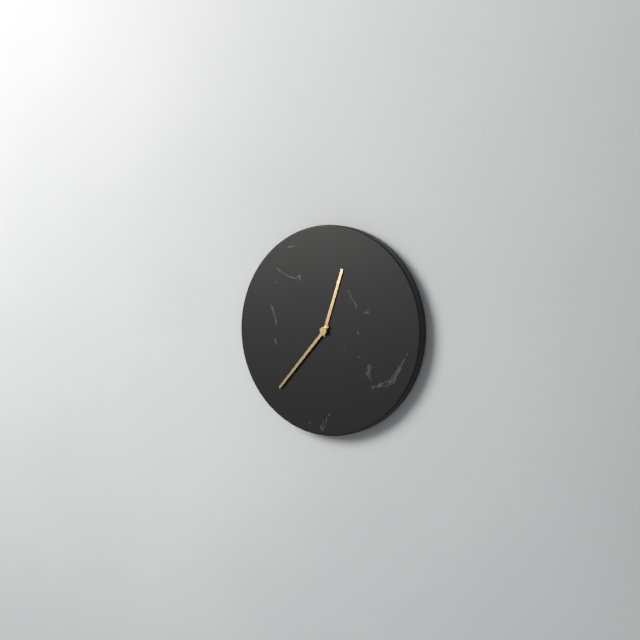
12 h 37 min
